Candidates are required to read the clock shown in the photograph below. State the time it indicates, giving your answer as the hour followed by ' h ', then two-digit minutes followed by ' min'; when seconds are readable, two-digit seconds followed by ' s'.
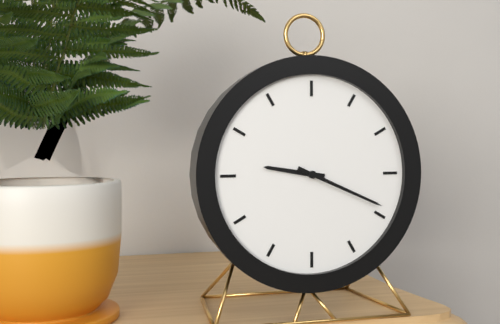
9 h 19 min
